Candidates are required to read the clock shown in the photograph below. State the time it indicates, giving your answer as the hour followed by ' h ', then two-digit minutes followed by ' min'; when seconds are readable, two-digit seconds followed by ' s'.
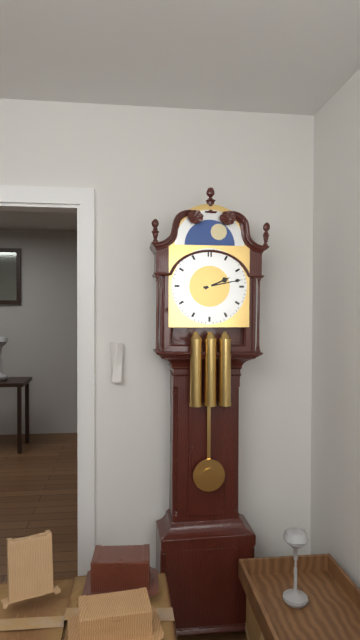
2 h 13 min
